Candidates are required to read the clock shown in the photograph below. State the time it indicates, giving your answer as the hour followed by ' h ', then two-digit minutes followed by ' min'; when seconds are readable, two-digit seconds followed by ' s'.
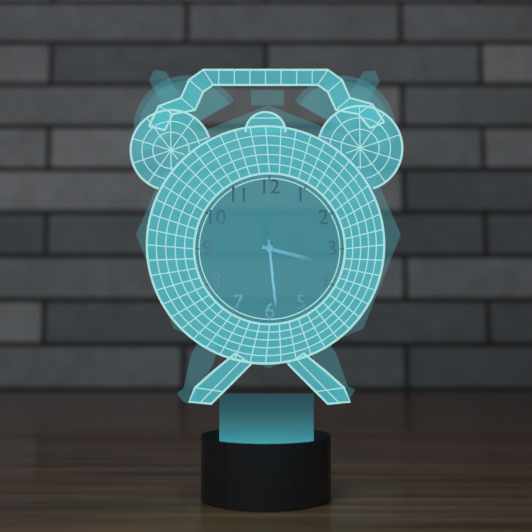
3 h 29 min
